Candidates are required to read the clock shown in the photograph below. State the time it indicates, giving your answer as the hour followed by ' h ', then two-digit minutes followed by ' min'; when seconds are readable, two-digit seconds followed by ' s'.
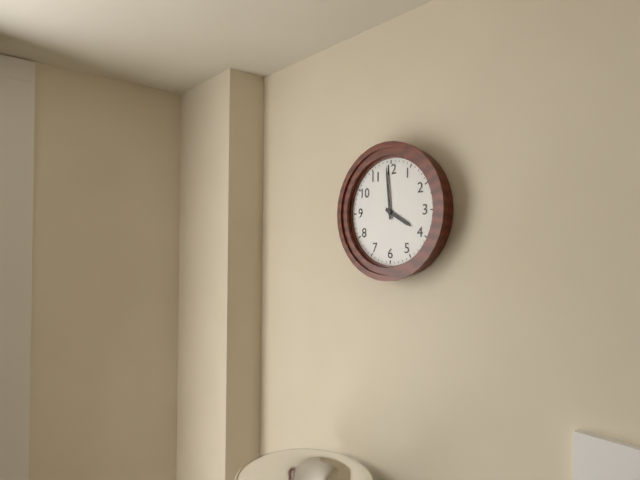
3 h 59 min
